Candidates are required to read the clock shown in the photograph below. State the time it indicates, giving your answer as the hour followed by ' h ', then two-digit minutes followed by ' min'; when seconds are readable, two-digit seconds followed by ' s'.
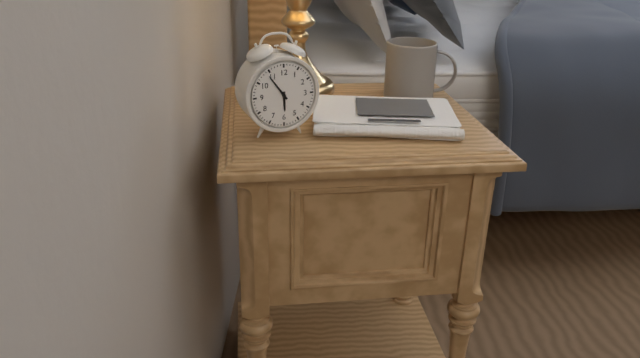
5 h 54 min
